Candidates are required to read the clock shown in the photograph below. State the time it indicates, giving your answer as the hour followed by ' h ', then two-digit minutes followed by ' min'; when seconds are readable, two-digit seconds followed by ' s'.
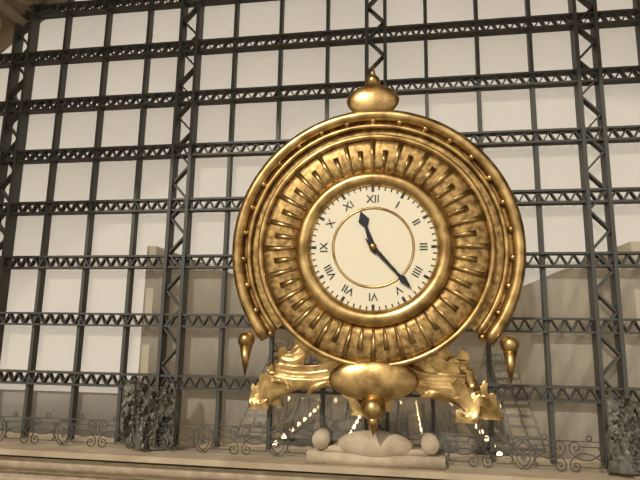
11 h 23 min
